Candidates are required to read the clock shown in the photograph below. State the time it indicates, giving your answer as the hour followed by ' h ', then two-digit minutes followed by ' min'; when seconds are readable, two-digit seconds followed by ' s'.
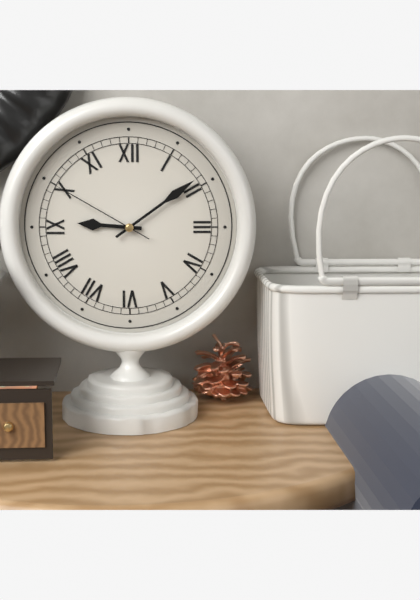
9 h 09 min 50 s
